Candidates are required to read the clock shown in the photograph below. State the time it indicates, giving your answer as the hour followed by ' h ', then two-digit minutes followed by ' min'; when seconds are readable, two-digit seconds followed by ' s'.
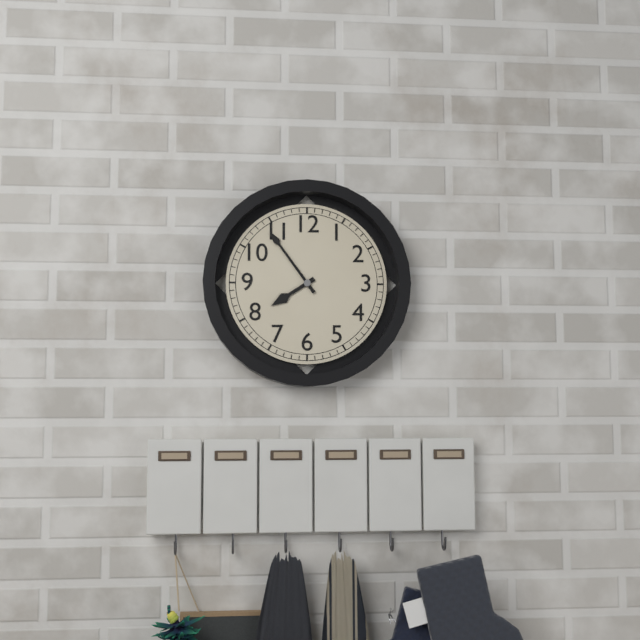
7 h 54 min
